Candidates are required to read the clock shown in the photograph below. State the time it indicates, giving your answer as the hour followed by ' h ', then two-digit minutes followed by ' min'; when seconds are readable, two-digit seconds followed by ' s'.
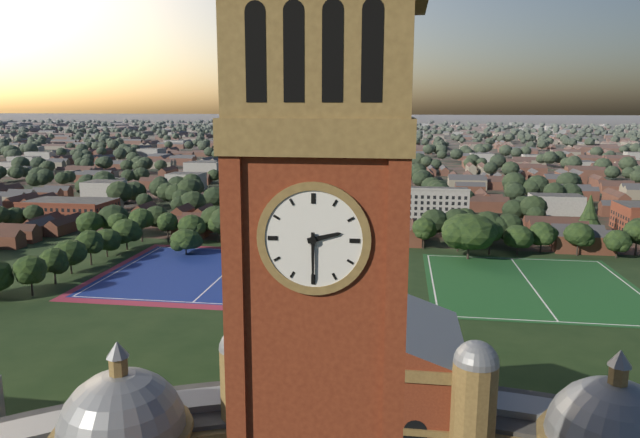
2 h 30 min
